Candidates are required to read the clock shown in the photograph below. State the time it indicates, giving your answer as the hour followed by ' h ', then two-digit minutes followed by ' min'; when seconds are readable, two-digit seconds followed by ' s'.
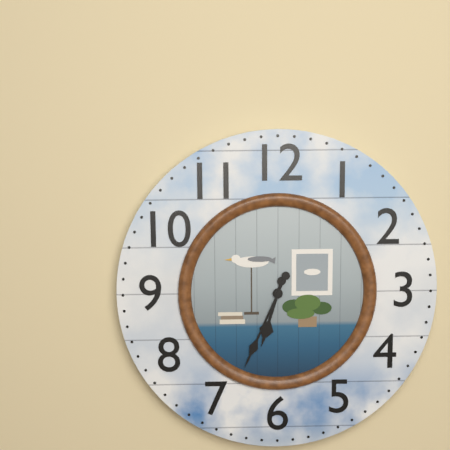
6 h 34 min
